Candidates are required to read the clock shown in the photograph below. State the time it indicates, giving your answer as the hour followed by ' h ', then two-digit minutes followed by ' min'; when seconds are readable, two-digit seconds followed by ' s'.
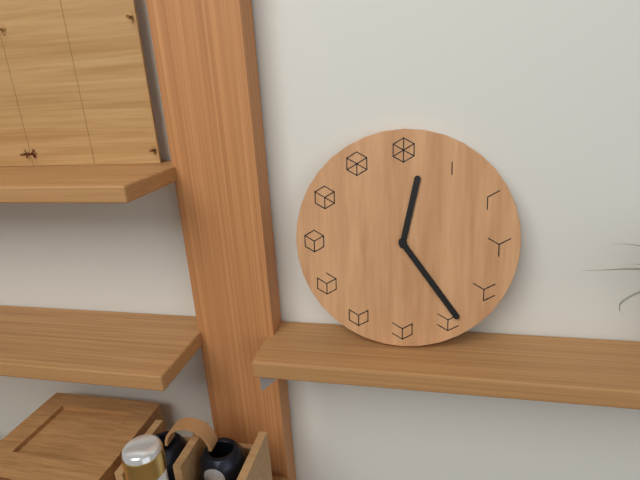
12 h 24 min
